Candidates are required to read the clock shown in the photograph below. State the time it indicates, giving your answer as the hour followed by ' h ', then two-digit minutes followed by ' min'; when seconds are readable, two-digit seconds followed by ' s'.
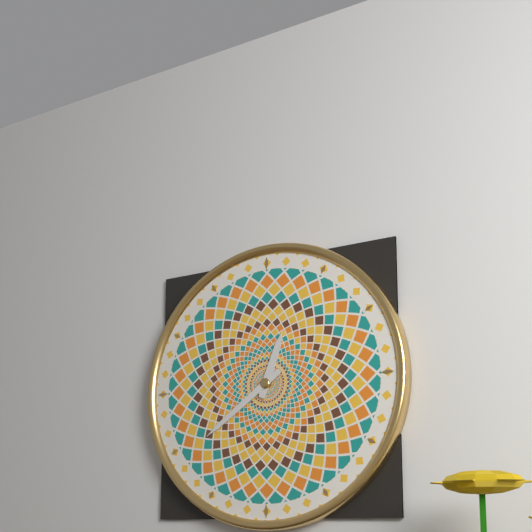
12 h 39 min
